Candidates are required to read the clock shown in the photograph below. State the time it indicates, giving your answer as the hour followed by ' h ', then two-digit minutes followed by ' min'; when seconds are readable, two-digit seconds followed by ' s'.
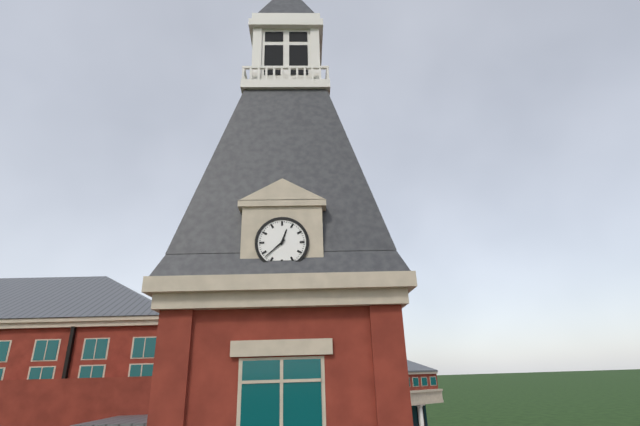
12 h 38 min
